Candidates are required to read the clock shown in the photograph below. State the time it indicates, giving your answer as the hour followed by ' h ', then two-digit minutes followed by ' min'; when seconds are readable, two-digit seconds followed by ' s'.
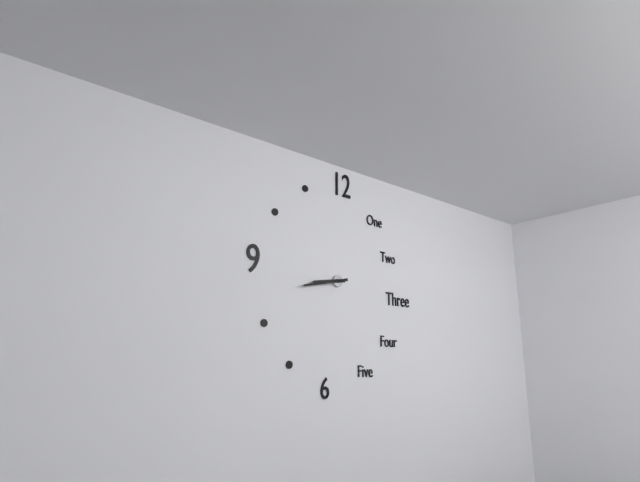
8 h 43 min
